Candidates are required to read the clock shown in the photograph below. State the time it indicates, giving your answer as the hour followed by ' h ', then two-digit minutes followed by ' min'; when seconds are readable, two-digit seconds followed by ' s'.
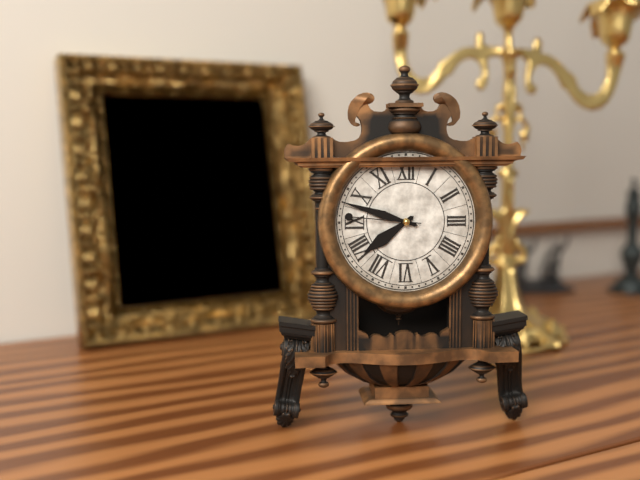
7 h 48 min 46 s
